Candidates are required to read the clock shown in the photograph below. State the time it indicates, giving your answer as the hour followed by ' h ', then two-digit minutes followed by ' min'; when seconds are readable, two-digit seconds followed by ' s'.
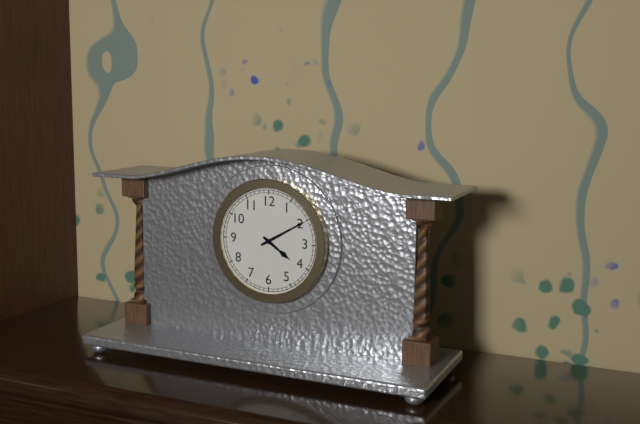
4 h 10 min
